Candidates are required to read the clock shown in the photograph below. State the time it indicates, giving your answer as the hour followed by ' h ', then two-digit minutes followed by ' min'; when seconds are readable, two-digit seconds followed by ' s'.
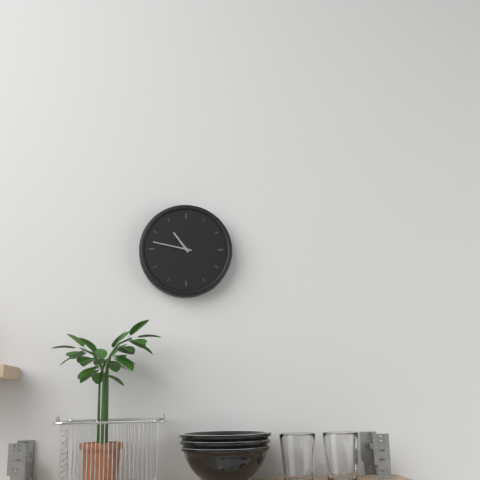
10 h 47 min
